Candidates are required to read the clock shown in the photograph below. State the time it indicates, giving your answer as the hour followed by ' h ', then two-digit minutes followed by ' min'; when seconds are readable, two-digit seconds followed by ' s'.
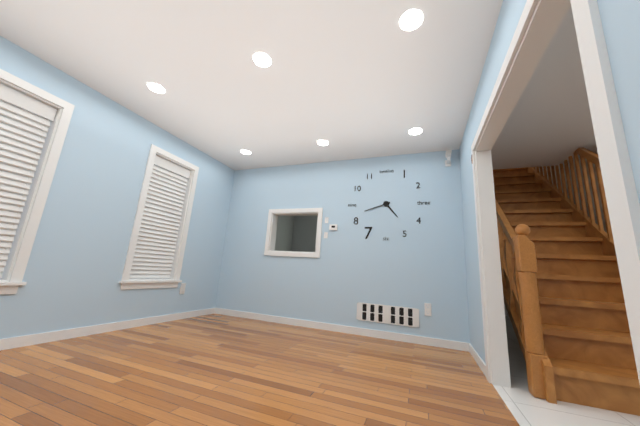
4 h 42 min
